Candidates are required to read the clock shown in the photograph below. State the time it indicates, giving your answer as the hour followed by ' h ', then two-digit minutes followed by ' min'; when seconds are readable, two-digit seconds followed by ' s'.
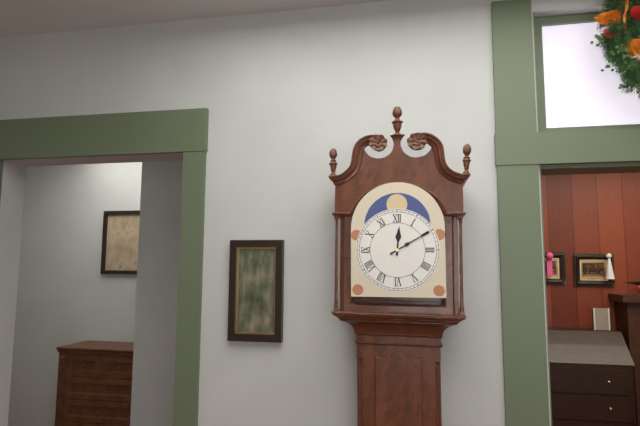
12 h 10 min
